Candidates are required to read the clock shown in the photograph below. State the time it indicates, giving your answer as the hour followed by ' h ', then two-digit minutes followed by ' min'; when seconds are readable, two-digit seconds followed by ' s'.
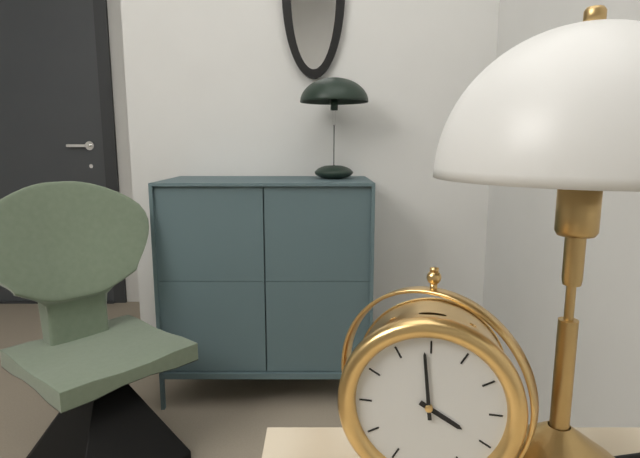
3 h 59 min
